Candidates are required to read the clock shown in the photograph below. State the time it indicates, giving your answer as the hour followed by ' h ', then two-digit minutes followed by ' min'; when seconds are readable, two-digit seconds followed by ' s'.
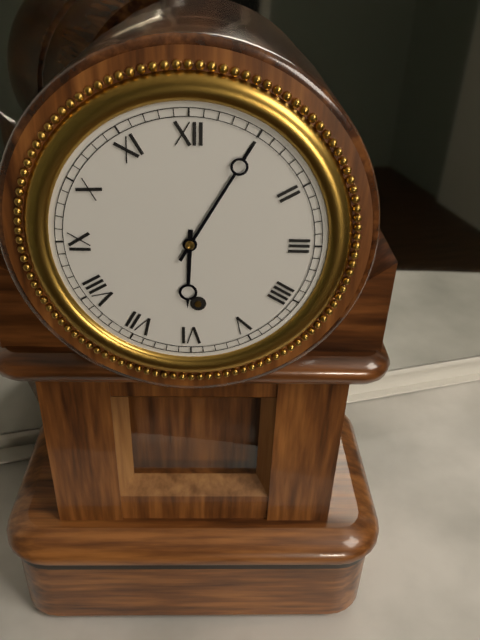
6 h 05 min
